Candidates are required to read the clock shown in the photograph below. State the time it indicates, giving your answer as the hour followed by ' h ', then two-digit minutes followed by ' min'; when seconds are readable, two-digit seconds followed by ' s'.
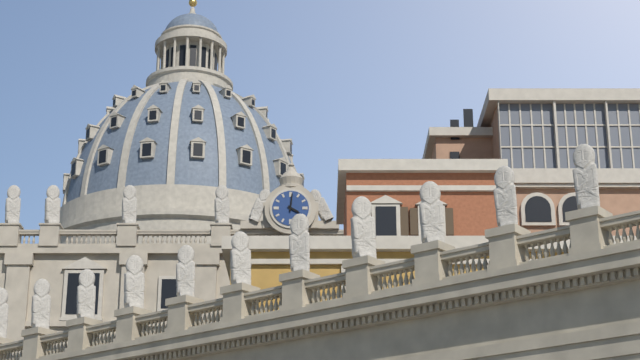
4 h 01 min
